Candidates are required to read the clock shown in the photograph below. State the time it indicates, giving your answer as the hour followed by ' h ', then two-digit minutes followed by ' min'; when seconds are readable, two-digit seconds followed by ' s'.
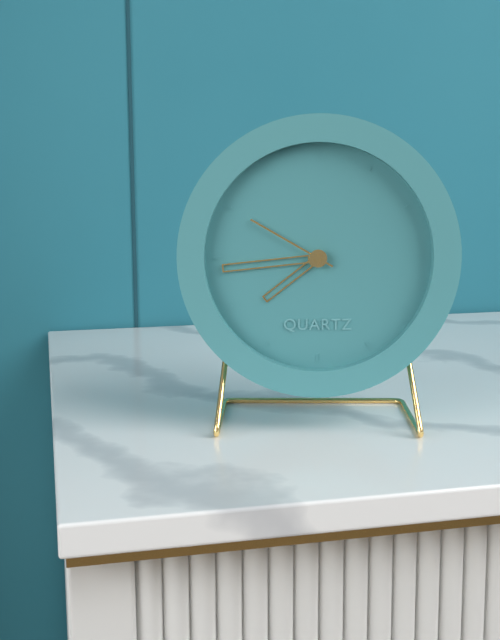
7 h 44 min 50 s
